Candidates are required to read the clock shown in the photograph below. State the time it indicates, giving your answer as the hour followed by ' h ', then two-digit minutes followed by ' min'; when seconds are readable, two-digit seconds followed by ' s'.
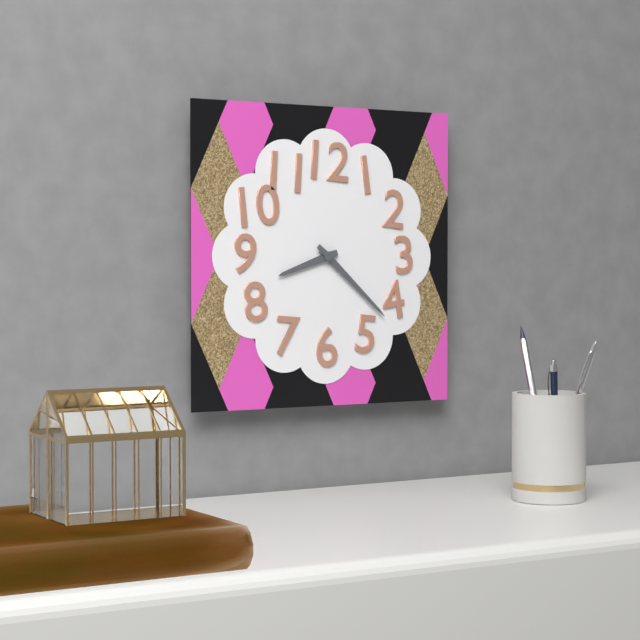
8 h 22 min
